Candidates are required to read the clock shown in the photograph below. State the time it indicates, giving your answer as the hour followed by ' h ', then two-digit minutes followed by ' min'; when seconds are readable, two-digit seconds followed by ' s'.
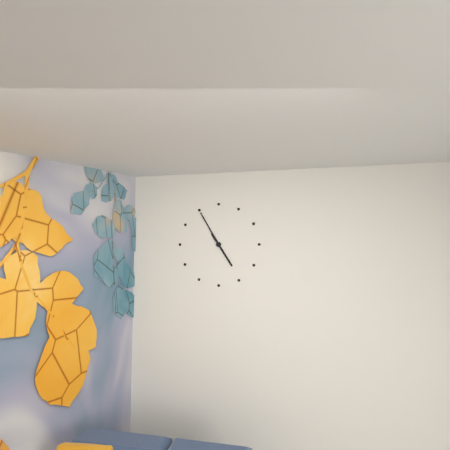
4 h 55 min
